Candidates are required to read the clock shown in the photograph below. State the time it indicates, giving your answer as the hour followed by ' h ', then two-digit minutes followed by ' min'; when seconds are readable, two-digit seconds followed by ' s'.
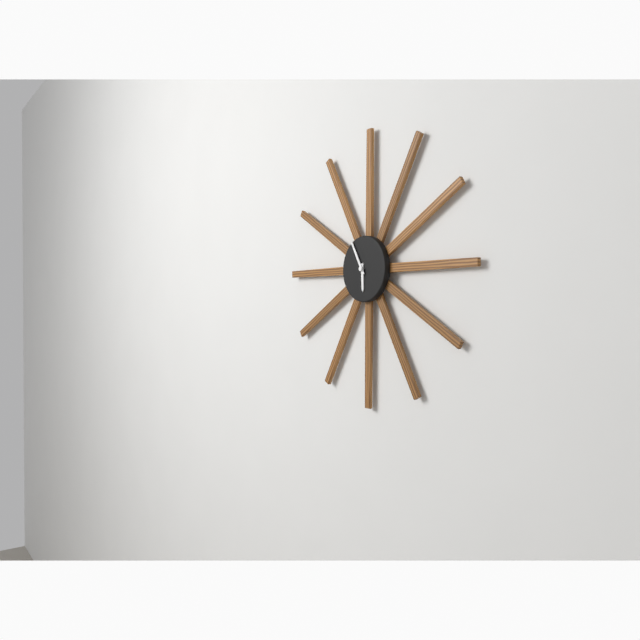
5 h 55 min
